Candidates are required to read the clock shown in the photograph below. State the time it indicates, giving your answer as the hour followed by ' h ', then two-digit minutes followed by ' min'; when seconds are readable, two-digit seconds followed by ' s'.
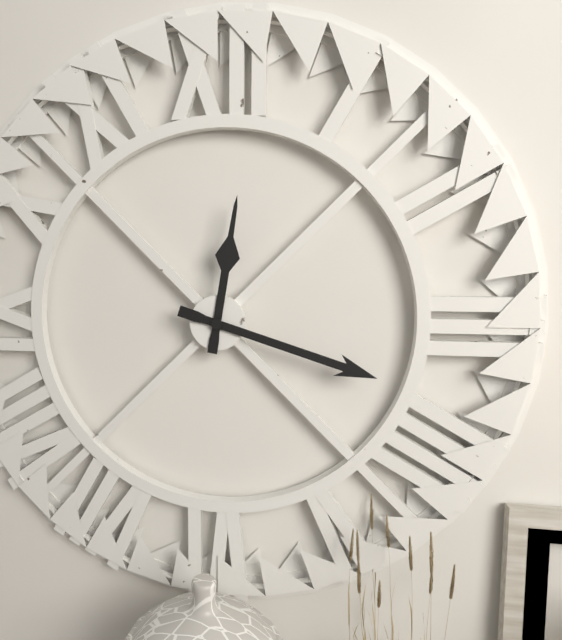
12 h 18 min
